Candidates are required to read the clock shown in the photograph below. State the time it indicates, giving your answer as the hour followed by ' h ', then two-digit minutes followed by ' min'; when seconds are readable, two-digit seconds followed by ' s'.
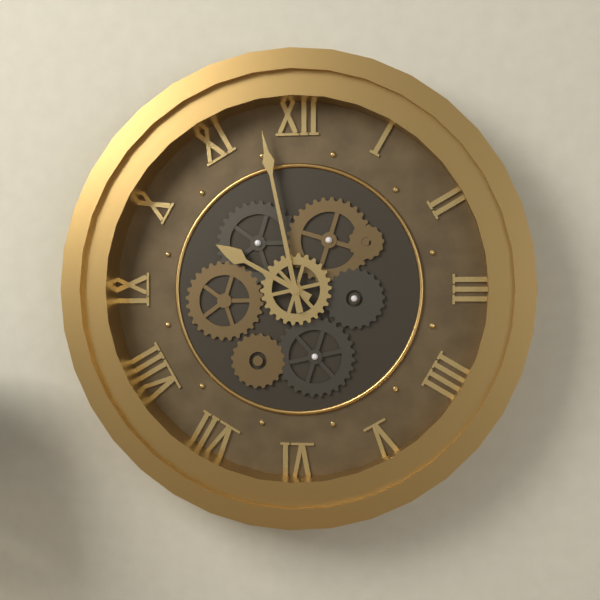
9 h 58 min
